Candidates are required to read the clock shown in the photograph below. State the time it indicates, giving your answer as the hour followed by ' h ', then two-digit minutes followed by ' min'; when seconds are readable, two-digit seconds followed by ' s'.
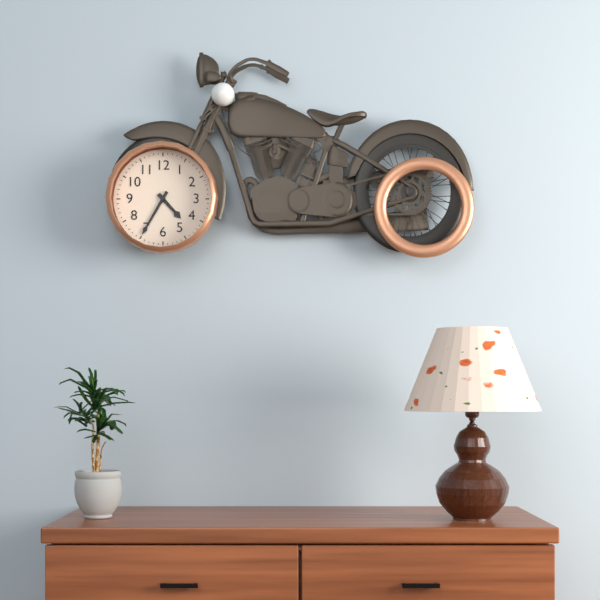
4 h 35 min
